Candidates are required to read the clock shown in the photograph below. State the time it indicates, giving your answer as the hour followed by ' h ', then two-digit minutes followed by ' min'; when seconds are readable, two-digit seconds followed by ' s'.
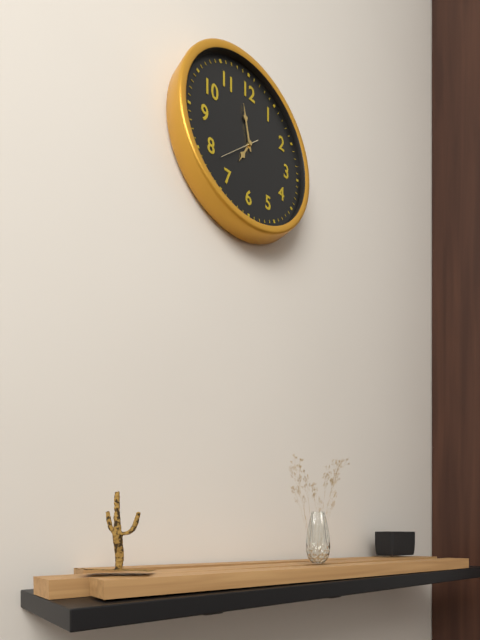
6 h 58 min
